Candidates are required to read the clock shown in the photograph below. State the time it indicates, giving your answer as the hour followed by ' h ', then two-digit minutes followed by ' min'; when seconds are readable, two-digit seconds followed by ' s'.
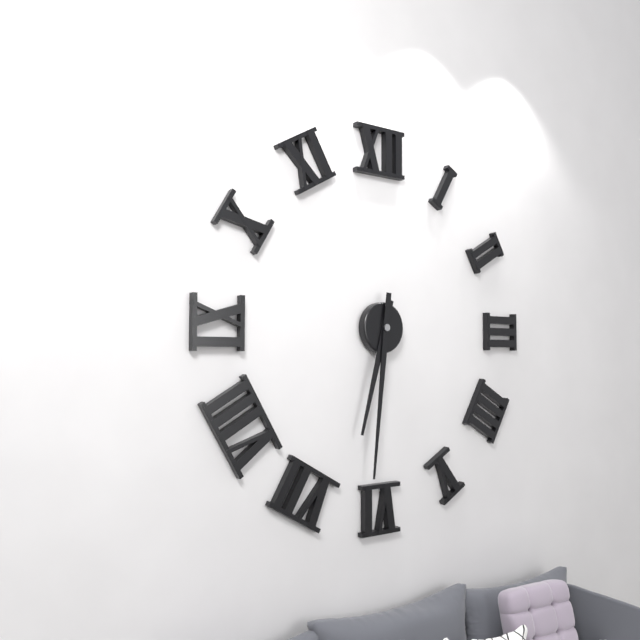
6 h 31 min
